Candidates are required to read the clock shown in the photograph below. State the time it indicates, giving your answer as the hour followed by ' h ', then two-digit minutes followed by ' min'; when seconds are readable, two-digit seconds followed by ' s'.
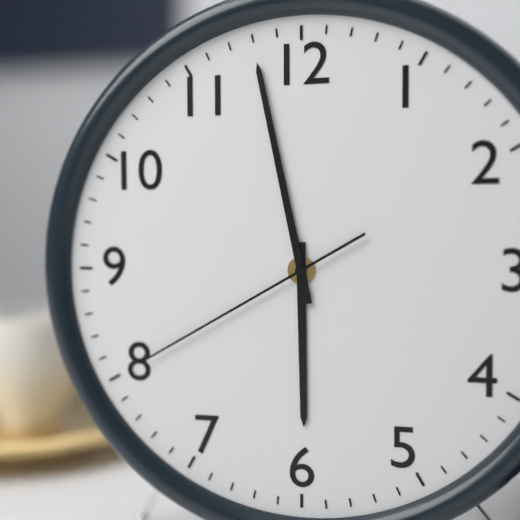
5 h 58 min 40 s
